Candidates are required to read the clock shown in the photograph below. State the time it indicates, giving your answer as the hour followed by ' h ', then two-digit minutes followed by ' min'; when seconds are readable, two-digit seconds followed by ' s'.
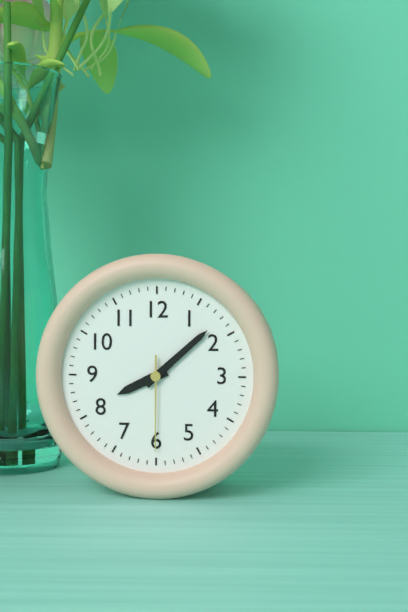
8 h 08 min 30 s
